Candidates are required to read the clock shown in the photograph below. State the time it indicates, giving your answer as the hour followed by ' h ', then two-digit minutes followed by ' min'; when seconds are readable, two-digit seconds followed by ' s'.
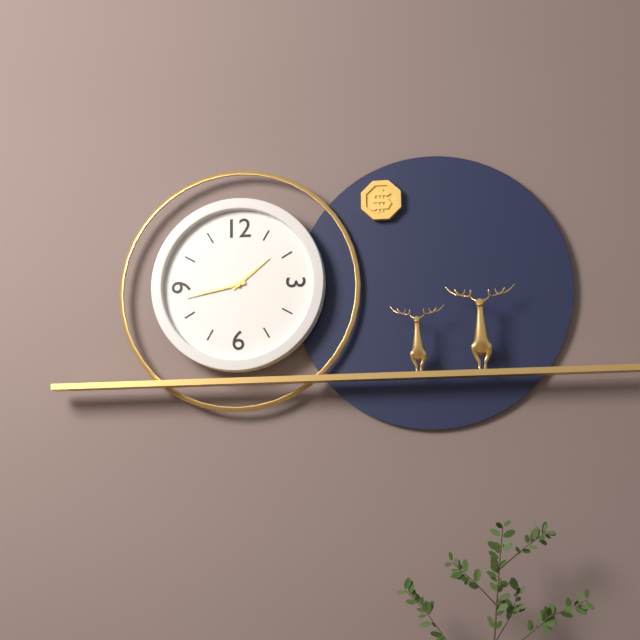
1 h 43 min
